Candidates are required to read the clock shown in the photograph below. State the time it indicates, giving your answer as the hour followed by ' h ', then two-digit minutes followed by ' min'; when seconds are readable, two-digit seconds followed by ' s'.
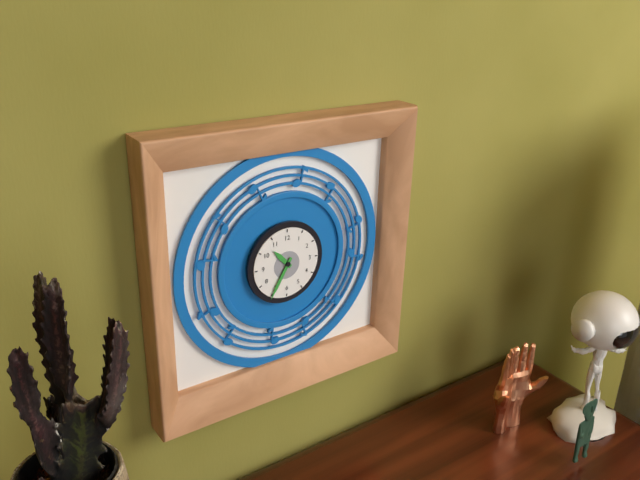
10 h 35 min
